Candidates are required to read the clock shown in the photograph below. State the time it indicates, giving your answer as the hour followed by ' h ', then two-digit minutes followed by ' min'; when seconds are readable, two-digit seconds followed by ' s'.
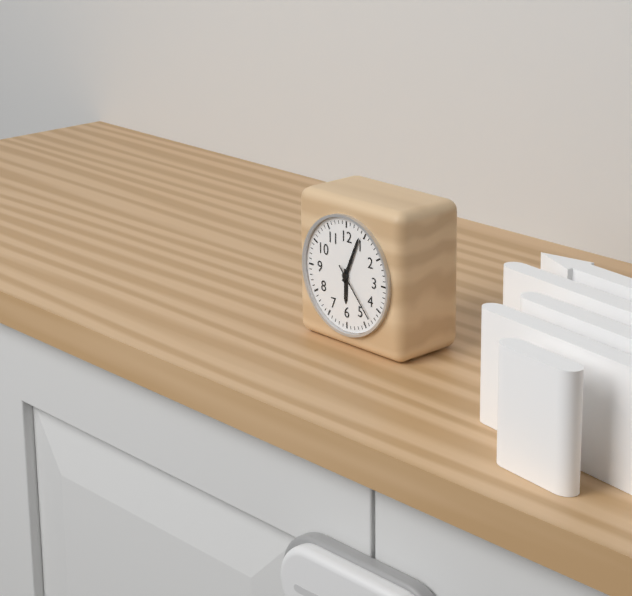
6 h 04 min 23 s
